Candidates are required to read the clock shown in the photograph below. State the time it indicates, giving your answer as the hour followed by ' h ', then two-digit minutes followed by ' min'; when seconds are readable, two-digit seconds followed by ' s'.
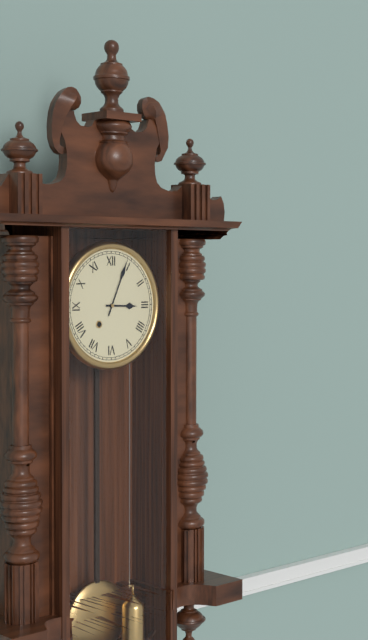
3 h 04 min
